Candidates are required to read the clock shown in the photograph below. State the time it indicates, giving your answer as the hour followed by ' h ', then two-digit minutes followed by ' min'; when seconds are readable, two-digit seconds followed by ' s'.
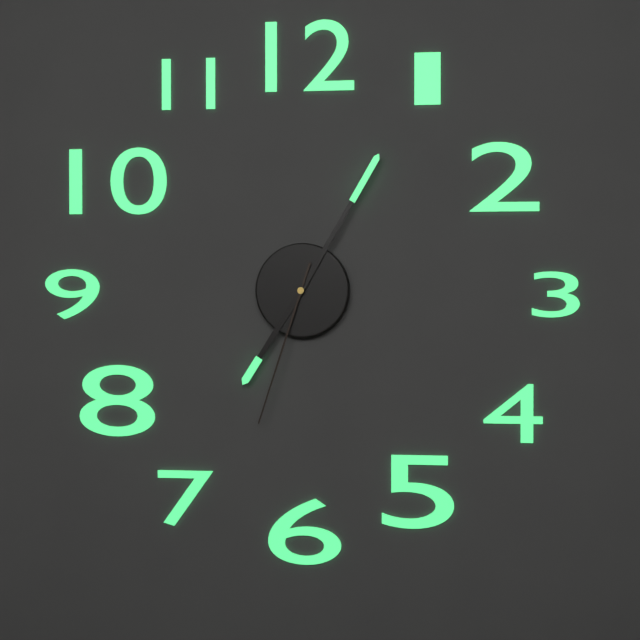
7 h 05 min 33 s
